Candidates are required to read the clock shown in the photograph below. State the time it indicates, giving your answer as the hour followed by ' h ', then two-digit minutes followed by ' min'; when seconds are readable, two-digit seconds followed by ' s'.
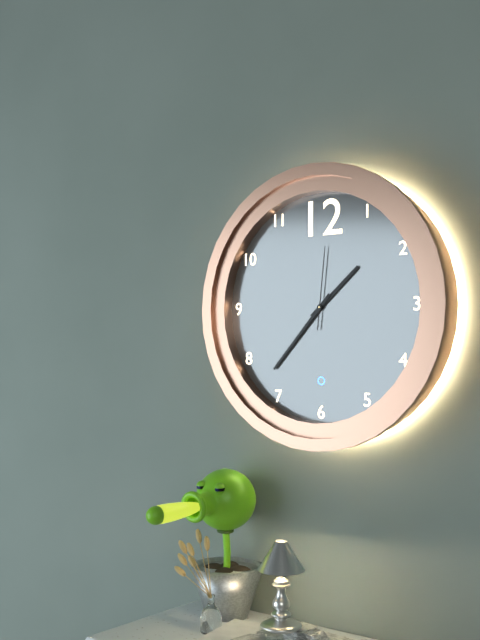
1 h 37 min 01 s
